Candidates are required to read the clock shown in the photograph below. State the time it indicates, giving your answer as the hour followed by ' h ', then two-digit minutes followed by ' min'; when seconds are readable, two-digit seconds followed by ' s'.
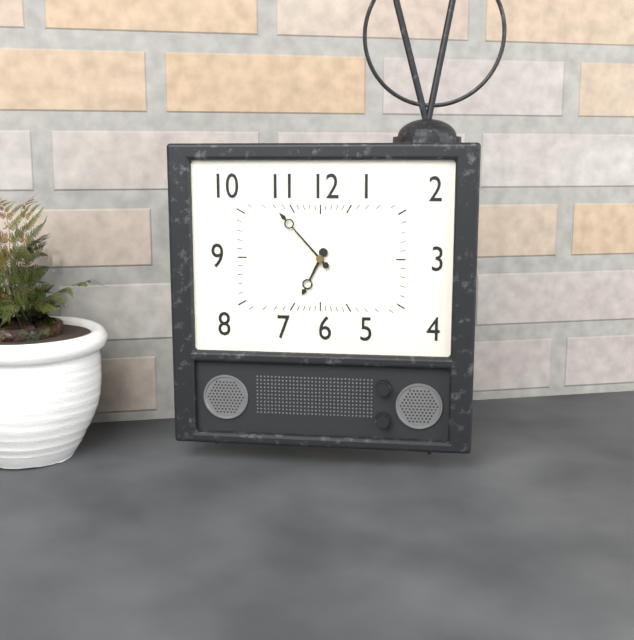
6 h 53 min
